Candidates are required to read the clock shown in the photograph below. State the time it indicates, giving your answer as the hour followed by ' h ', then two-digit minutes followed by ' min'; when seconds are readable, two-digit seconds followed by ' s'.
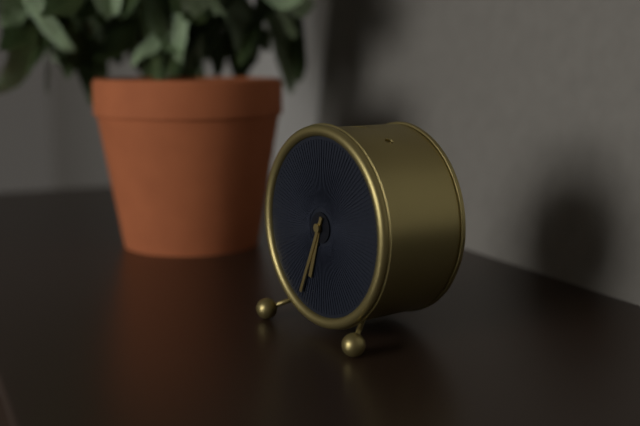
6 h 34 min
